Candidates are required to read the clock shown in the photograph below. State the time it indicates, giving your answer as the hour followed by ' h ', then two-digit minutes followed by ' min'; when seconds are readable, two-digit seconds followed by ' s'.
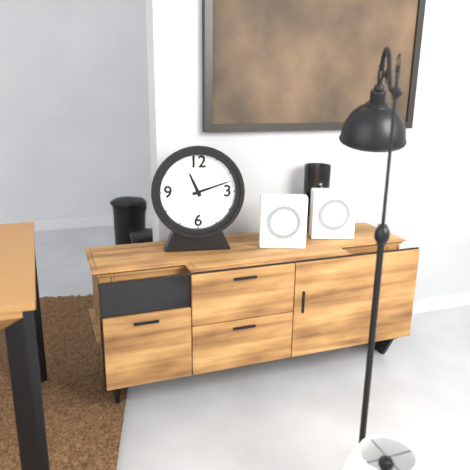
11 h 12 min
